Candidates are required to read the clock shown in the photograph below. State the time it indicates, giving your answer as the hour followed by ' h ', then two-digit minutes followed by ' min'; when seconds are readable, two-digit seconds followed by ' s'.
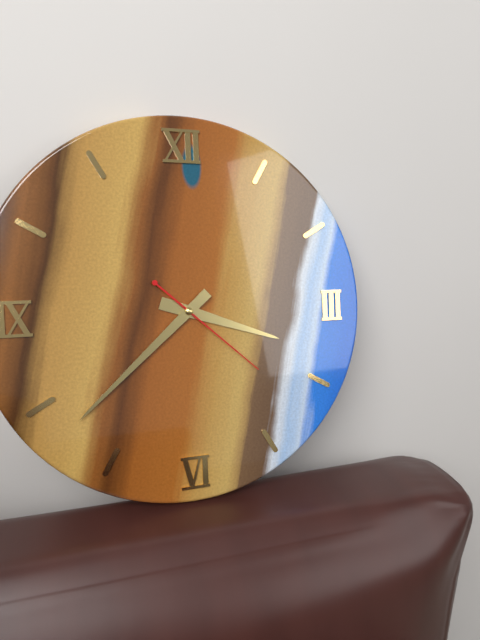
3 h 38 min 22 s
